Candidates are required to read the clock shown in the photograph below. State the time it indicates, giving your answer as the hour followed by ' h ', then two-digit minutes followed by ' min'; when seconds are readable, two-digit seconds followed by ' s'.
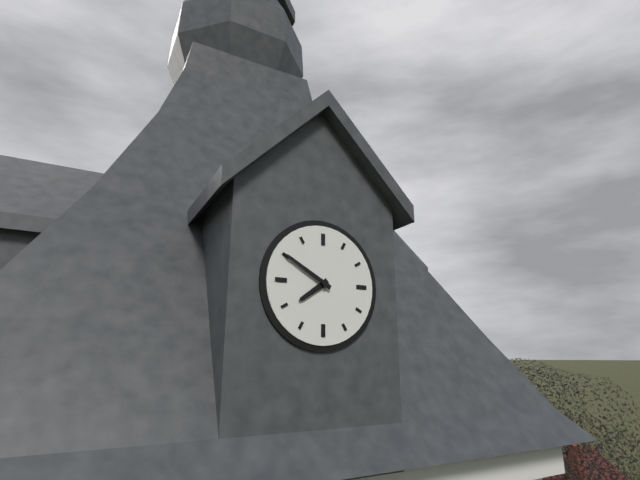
7 h 50 min
